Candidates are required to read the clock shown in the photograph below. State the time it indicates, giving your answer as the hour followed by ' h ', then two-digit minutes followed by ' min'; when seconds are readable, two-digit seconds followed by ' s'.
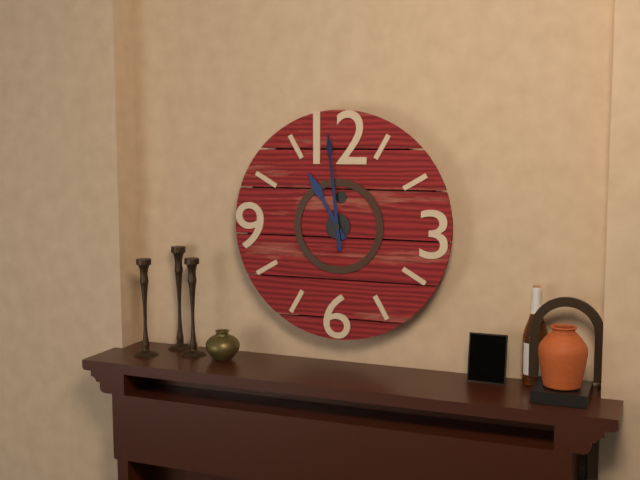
10 h 59 min
